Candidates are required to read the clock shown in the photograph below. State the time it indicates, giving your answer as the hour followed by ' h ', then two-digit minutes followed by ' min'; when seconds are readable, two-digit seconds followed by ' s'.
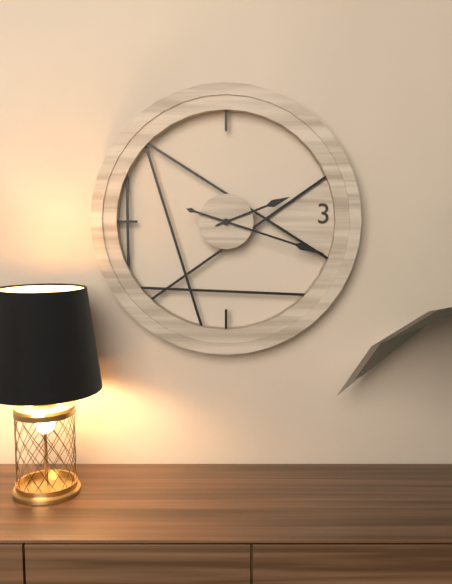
2 h 18 min
